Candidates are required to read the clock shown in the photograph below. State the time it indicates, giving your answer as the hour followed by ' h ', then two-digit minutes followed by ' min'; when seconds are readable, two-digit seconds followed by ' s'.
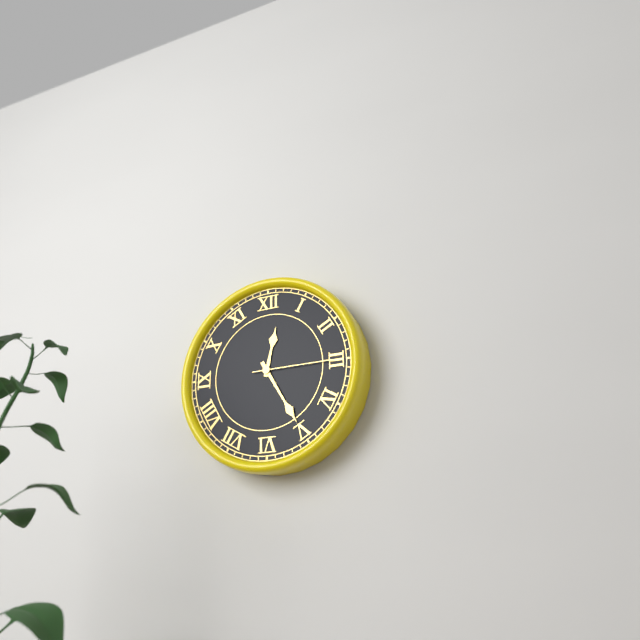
12 h 25 min 15 s
